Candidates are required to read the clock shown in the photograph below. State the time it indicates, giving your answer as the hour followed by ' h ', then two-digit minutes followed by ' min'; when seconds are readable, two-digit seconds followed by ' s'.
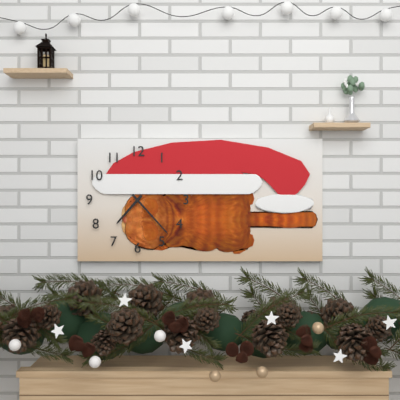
7 h 23 min
